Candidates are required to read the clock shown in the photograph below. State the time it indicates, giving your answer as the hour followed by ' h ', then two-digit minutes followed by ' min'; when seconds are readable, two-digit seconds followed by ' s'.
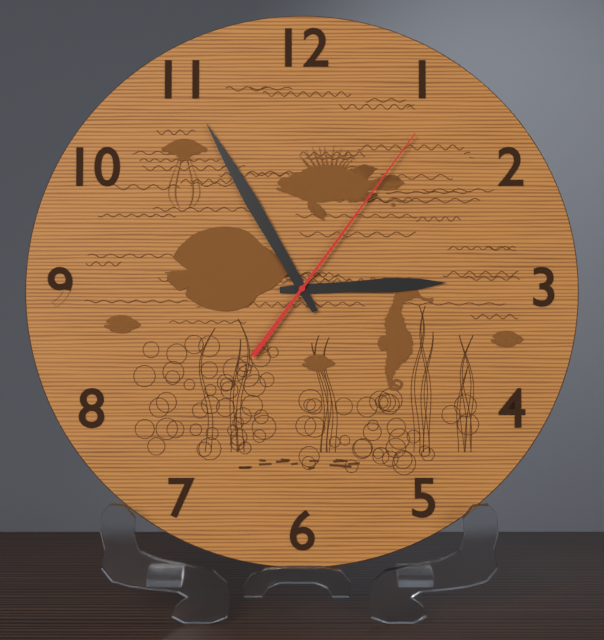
2 h 55 min 06 s
